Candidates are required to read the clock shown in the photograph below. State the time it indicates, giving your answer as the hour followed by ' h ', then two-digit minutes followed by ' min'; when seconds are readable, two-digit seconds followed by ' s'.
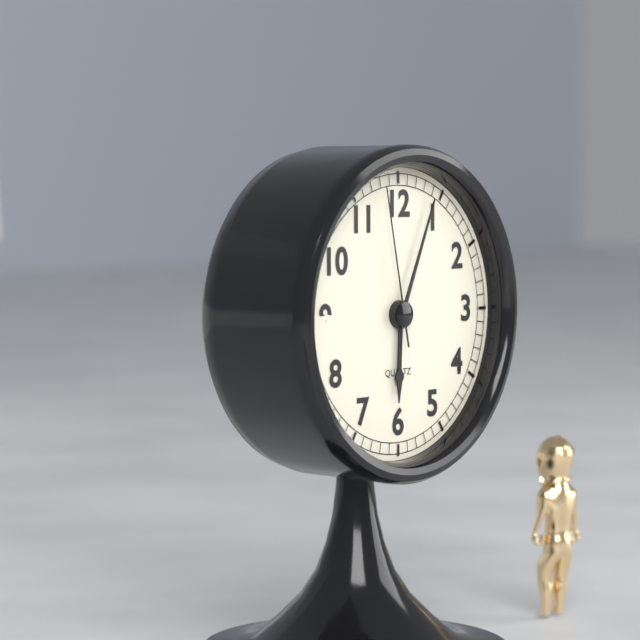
6 h 04 min 58 s
